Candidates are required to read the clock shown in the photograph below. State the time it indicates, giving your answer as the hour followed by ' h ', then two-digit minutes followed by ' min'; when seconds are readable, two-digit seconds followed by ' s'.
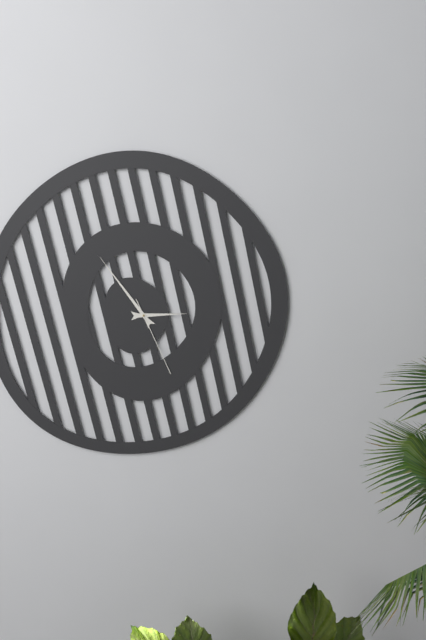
2 h 54 min 26 s
